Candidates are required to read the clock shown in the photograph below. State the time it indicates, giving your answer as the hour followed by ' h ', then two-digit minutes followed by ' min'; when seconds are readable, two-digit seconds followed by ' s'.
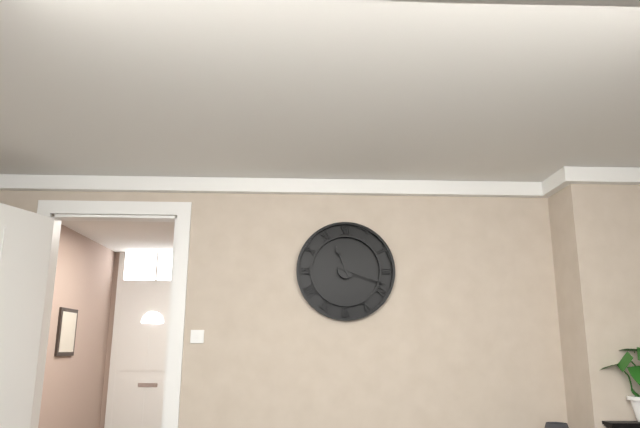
11 h 18 min
